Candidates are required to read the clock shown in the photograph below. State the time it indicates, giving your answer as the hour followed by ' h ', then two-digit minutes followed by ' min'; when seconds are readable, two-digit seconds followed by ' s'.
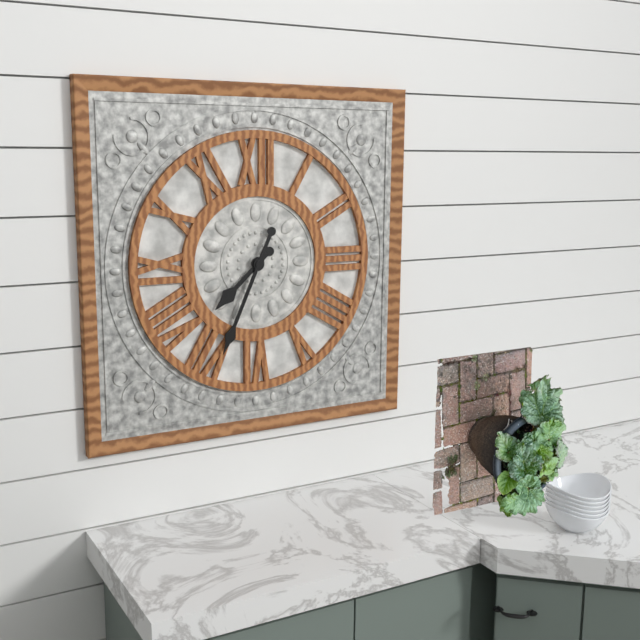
7 h 34 min
